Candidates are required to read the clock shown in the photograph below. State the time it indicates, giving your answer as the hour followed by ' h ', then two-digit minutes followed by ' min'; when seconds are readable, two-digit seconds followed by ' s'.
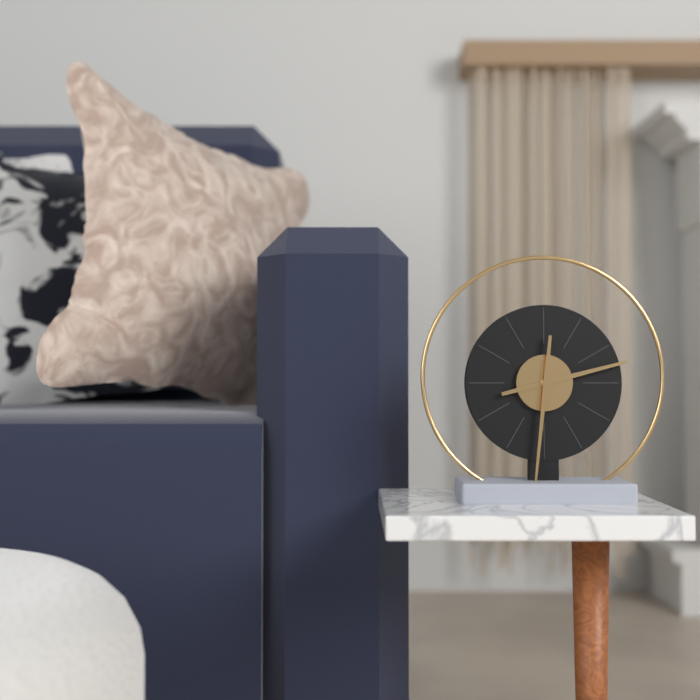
2 h 31 min
